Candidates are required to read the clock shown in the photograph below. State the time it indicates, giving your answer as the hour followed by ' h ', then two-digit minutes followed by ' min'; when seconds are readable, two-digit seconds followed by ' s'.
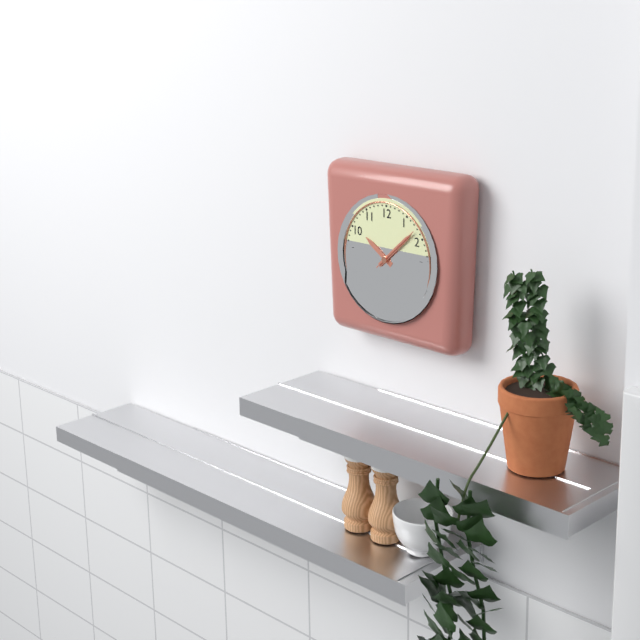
10 h 08 min
